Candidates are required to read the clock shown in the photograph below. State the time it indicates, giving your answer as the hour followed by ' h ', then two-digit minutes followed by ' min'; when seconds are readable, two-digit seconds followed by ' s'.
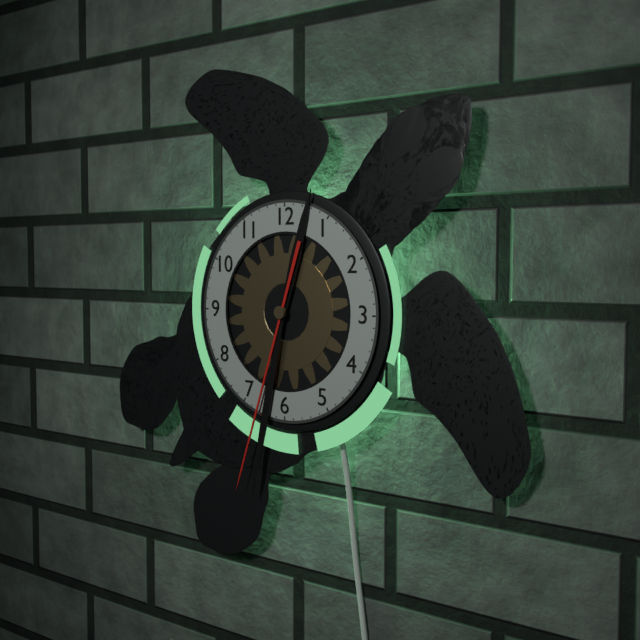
12 h 32 min 33 s
